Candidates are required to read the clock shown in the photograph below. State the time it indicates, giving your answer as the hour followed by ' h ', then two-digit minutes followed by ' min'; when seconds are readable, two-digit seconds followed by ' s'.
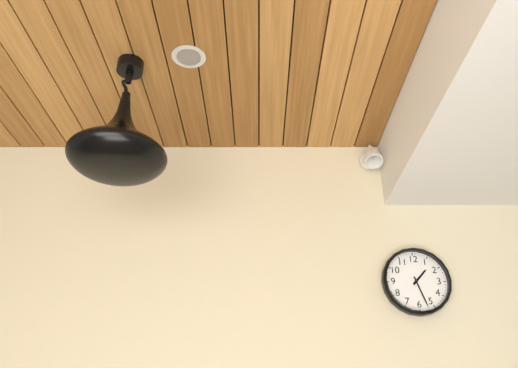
1 h 27 min
